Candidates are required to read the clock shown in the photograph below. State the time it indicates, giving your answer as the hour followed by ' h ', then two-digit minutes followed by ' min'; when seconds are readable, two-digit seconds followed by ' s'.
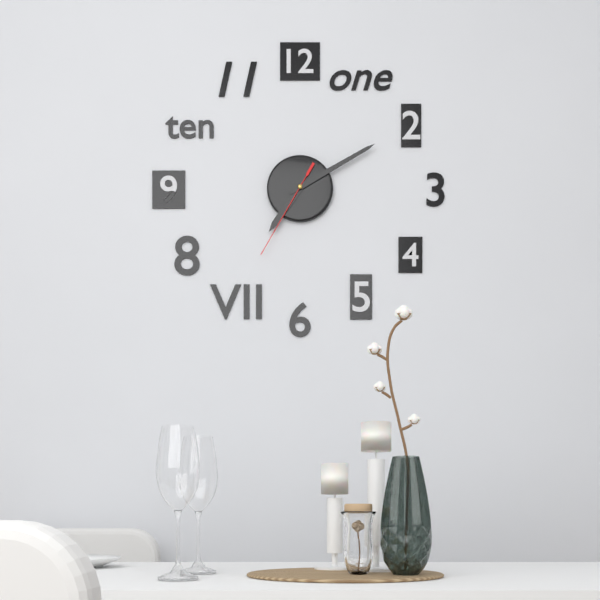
7 h 10 min 35 s
